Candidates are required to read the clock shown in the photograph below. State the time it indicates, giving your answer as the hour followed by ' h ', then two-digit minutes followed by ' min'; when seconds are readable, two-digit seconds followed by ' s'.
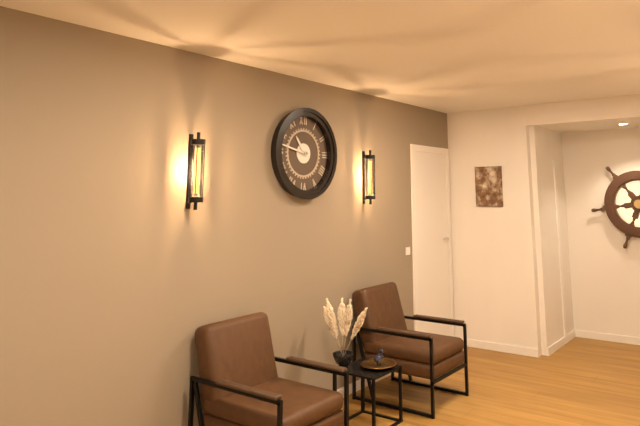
10 h 47 min
